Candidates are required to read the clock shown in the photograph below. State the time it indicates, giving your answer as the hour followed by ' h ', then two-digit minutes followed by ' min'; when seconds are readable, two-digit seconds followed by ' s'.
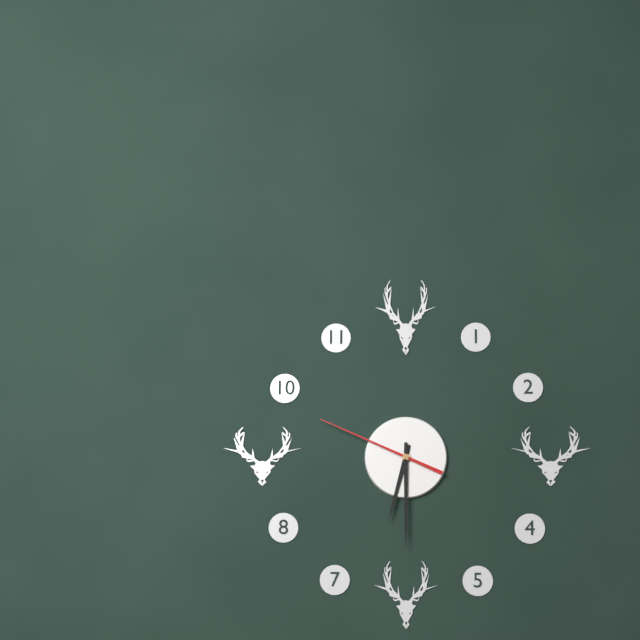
6 h 30 min 49 s
